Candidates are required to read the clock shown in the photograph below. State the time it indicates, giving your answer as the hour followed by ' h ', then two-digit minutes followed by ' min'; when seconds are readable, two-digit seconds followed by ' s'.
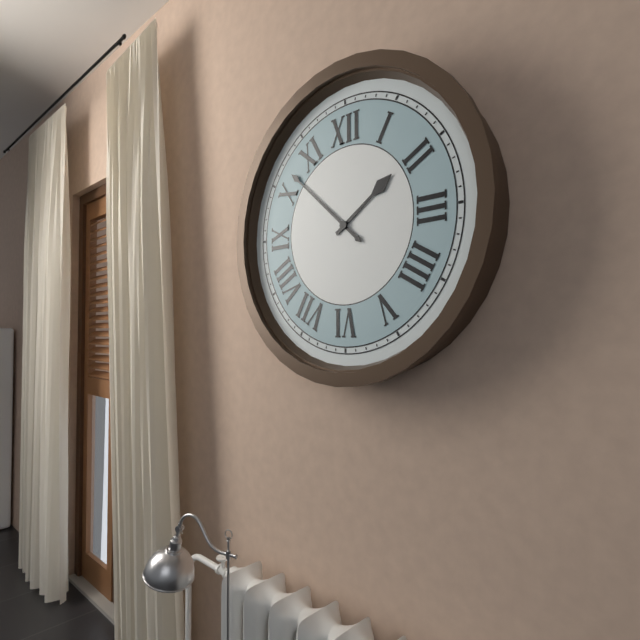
1 h 52 min
